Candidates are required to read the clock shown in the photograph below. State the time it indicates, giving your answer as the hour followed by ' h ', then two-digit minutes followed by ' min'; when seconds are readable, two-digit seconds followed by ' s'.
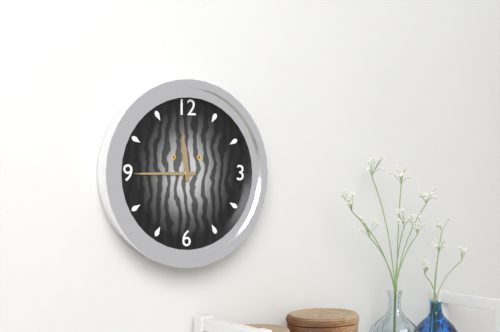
11 h 45 min
